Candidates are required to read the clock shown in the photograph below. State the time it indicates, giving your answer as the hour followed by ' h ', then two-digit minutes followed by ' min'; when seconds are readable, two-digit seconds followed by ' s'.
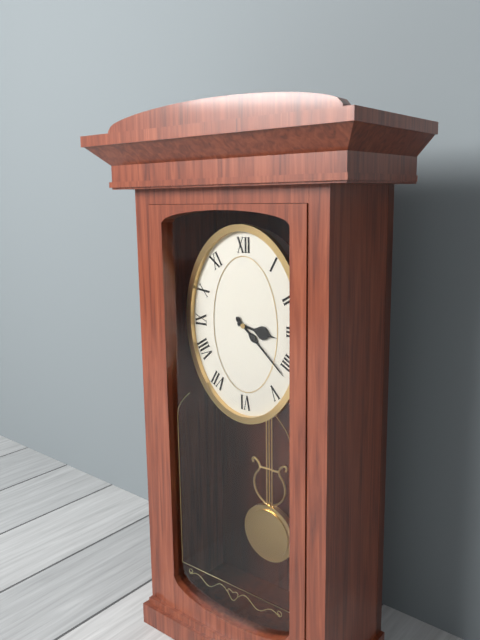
3 h 22 min
